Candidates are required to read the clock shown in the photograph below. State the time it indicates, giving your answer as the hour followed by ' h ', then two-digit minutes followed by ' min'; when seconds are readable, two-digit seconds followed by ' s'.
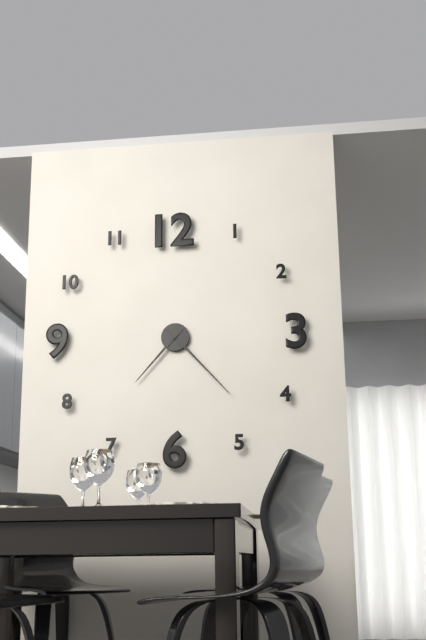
7 h 23 min
